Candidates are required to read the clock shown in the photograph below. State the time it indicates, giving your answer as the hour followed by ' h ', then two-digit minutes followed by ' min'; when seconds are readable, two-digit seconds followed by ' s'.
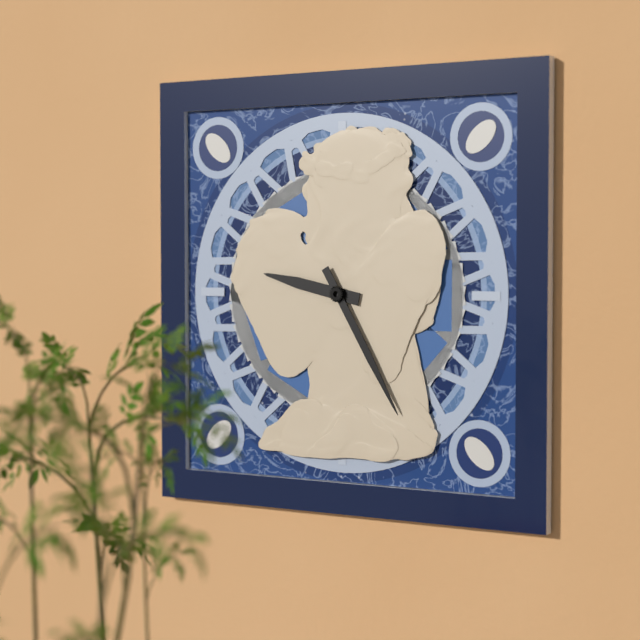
9 h 25 min
